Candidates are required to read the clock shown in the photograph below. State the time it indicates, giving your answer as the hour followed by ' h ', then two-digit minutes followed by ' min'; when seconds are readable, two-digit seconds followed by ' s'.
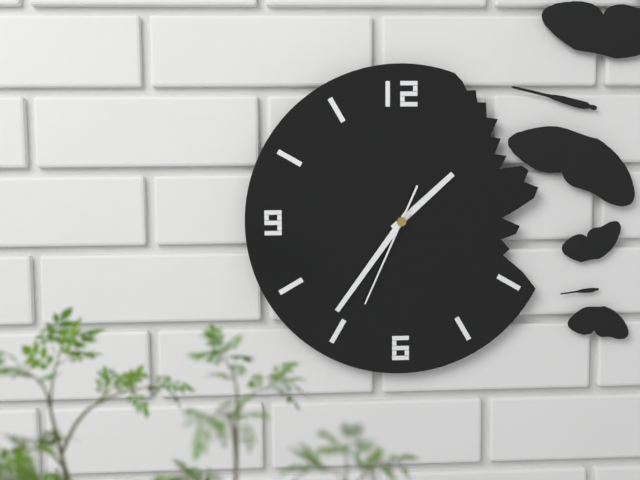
1 h 36 min 34 s
